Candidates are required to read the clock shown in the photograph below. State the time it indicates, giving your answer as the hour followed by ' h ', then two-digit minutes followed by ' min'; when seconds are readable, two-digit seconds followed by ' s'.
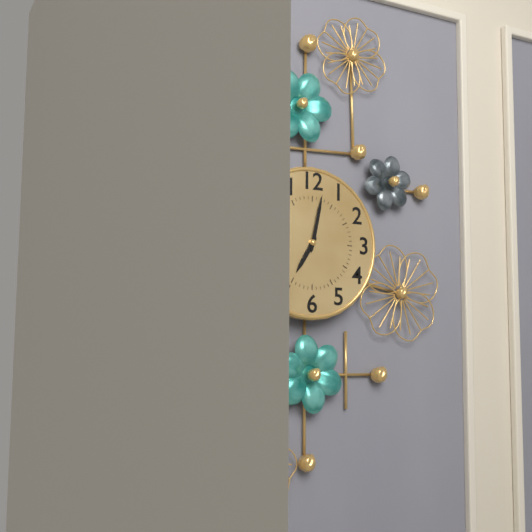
7 h 02 min
